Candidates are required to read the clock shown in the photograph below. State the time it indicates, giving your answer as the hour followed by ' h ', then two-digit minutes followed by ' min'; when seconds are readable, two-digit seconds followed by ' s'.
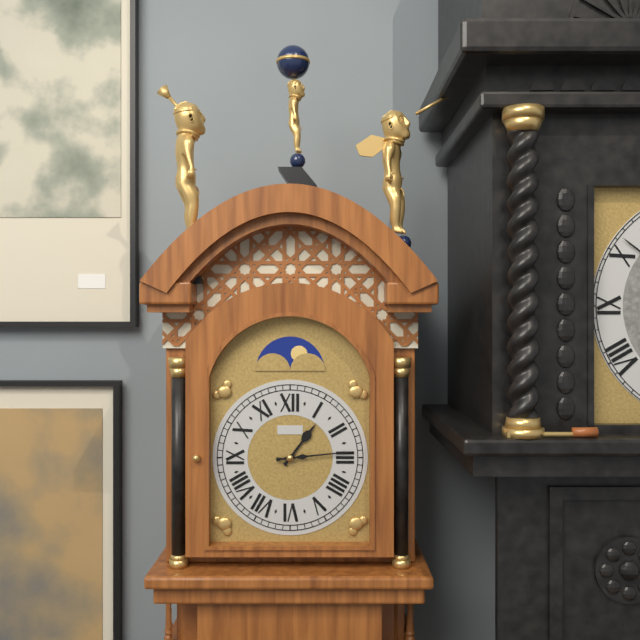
1 h 14 min
